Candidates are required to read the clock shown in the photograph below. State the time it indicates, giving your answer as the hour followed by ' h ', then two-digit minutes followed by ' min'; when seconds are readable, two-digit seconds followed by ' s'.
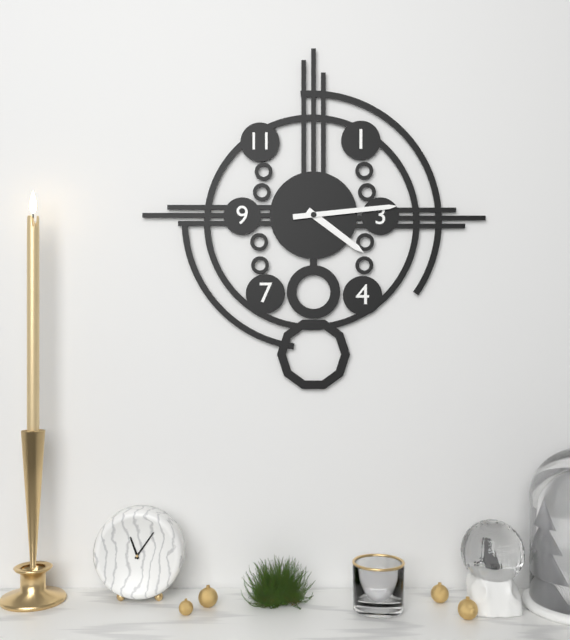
4 h 14 min
